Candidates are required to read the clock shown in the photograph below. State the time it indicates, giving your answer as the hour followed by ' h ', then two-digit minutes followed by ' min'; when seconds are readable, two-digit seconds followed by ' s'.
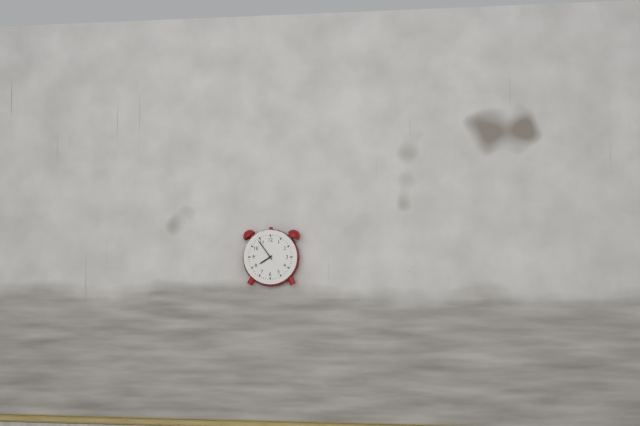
7 h 54 min
